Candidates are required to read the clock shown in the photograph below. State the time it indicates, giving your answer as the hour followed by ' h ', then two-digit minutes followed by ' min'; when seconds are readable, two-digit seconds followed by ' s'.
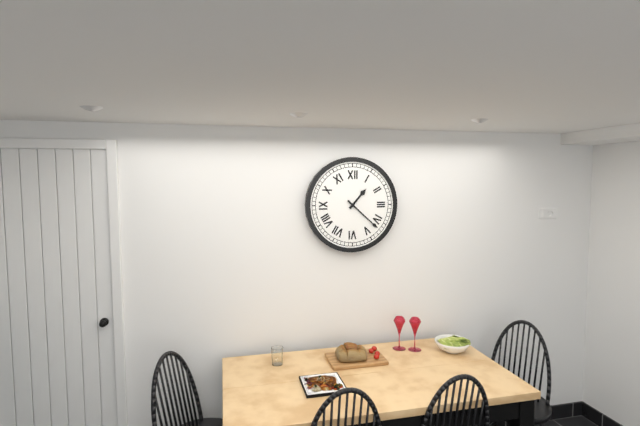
1 h 22 min
